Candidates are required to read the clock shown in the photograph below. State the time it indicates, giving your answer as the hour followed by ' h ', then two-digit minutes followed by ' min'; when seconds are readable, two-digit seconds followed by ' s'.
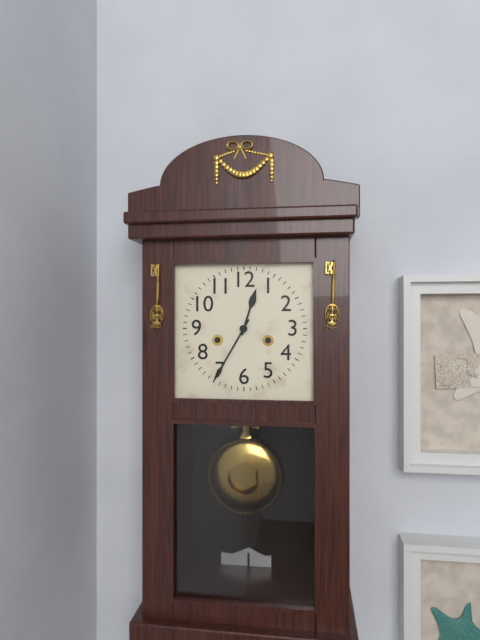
12 h 35 min
